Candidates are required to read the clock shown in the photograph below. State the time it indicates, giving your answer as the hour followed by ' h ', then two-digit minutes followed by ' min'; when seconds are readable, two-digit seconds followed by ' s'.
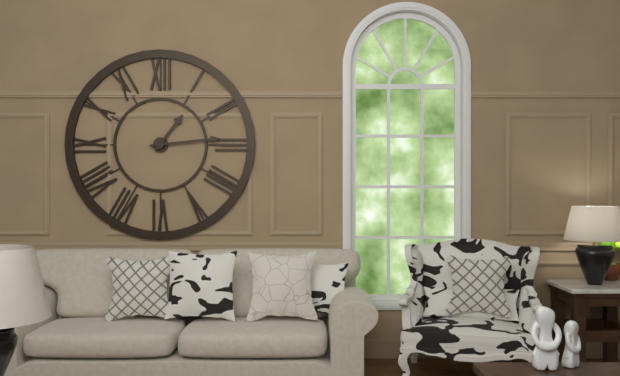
1 h 14 min
